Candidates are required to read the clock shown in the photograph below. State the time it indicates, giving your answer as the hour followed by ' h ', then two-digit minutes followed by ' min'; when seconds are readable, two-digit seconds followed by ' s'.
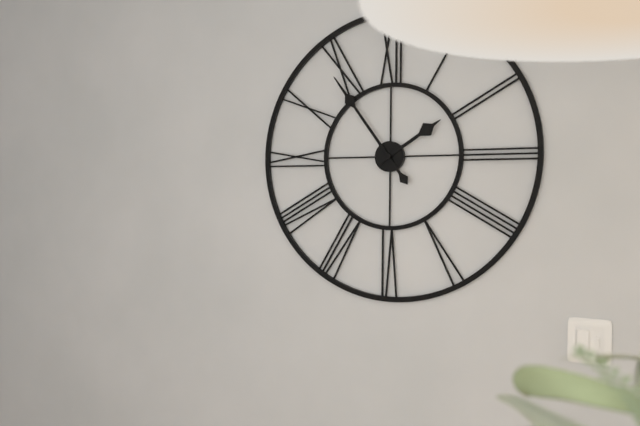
1 h 54 min
